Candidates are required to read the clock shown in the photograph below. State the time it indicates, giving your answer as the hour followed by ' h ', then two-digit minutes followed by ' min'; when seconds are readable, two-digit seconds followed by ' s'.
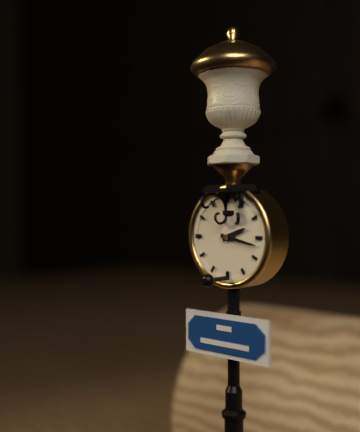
2 h 17 min
